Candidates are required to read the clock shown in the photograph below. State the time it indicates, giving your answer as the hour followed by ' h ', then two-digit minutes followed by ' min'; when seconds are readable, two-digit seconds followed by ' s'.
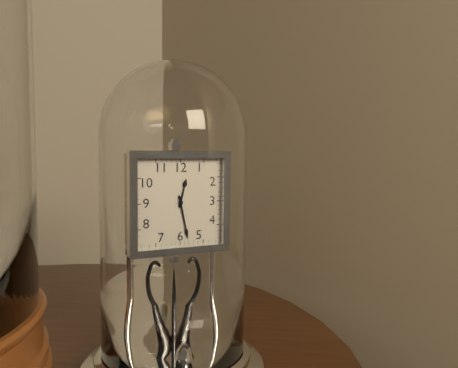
12 h 28 min
